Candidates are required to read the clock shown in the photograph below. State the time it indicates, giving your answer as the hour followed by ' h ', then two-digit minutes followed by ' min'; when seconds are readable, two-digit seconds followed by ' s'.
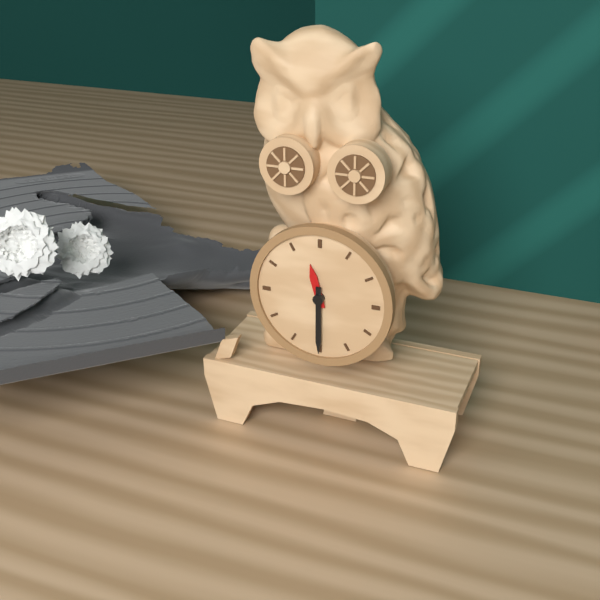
11 h 30 min
